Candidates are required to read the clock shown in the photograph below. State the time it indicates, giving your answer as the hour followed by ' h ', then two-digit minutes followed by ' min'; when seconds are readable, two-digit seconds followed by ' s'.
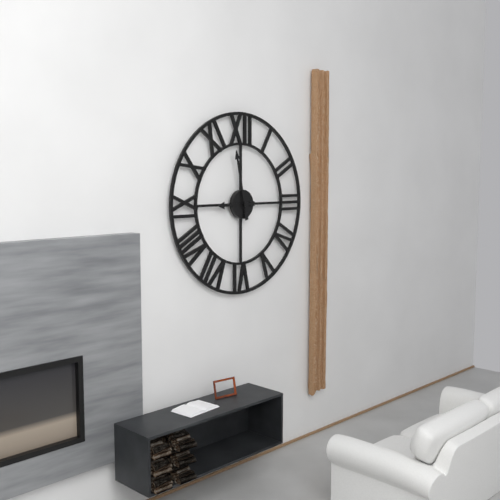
8 h 58 min
